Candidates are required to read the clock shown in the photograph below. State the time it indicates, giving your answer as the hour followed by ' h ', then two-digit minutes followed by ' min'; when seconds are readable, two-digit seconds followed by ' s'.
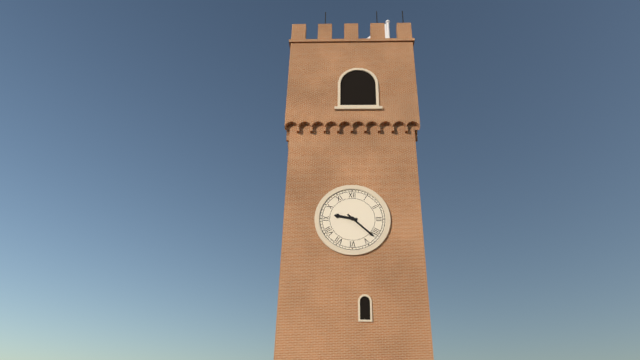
9 h 22 min
